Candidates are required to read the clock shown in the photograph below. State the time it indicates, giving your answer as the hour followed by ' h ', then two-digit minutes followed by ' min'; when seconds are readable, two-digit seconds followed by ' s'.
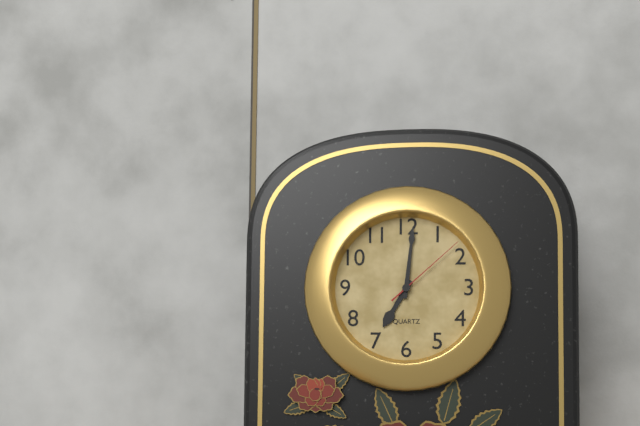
7 h 01 min 08 s
